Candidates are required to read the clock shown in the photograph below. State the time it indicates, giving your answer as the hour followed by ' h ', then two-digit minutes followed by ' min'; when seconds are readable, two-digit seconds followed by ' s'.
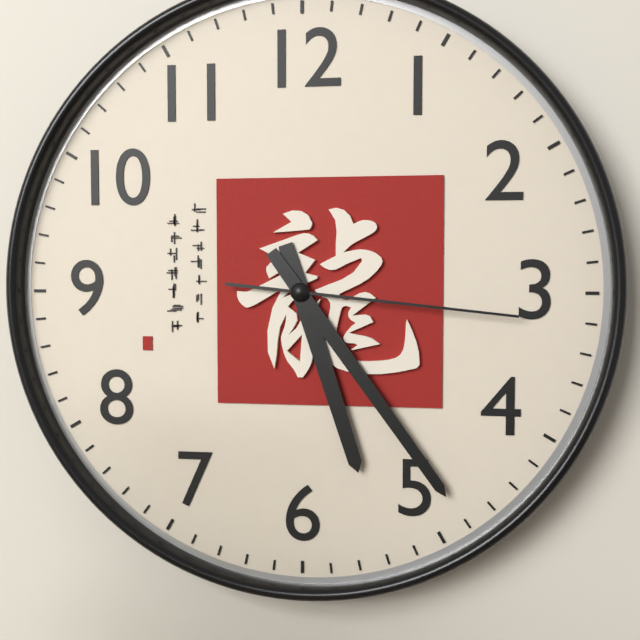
5 h 24 min 16 s
